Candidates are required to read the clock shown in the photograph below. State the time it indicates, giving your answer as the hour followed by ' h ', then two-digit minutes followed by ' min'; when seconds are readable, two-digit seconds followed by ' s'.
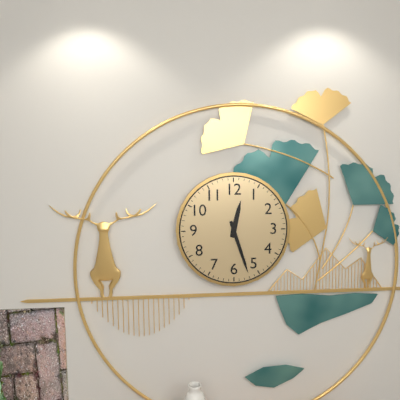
12 h 27 min
